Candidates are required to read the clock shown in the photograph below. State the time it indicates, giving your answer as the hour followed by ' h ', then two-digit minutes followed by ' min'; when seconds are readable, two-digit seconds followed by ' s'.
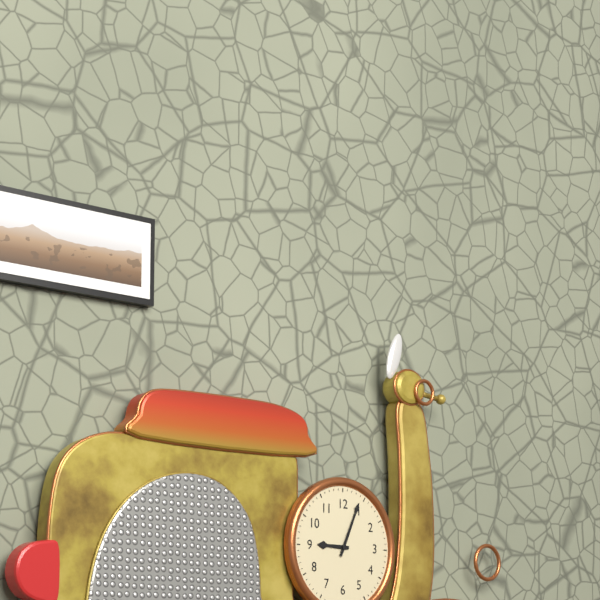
9 h 04 min
